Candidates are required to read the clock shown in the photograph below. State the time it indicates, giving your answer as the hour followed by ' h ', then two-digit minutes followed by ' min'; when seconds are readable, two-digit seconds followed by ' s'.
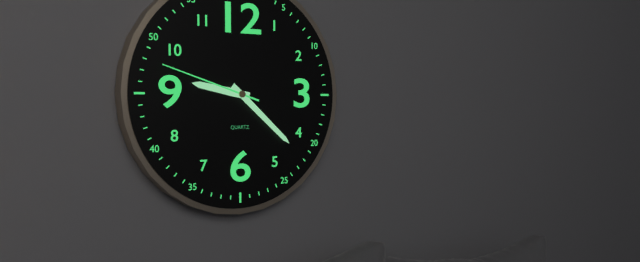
9 h 22 min 48 s
